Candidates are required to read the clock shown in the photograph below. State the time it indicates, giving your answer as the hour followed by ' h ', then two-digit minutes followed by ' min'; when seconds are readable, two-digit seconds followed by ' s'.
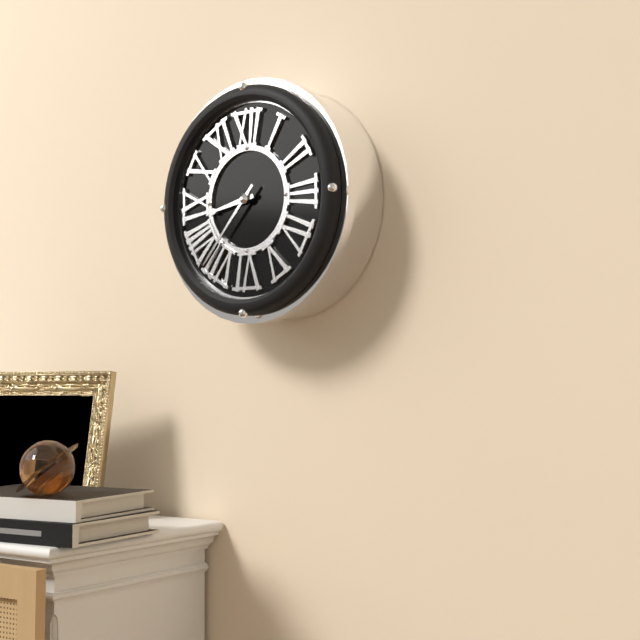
8 h 37 min
